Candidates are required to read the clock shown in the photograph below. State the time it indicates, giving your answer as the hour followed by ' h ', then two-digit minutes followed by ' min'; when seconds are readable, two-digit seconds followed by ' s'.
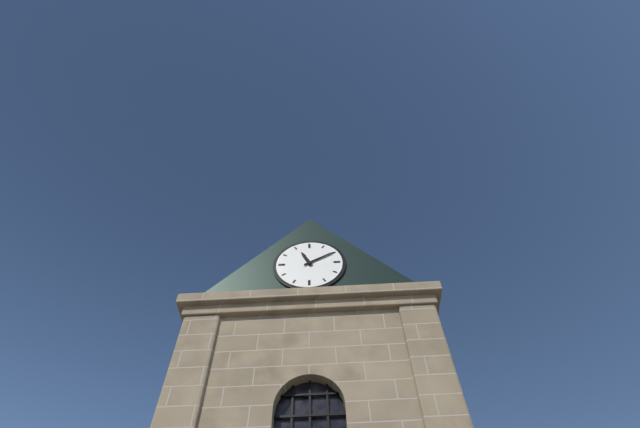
11 h 10 min
